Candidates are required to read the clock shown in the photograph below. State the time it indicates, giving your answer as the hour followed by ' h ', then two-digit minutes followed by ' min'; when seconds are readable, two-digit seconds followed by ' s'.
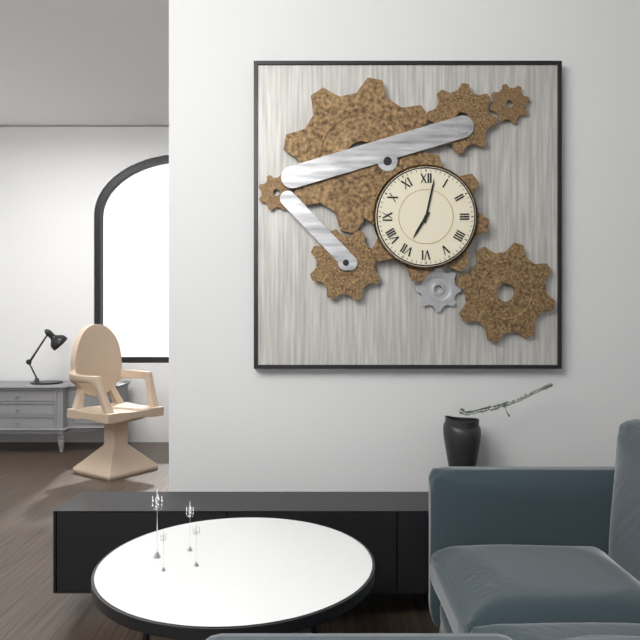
7 h 02 min
